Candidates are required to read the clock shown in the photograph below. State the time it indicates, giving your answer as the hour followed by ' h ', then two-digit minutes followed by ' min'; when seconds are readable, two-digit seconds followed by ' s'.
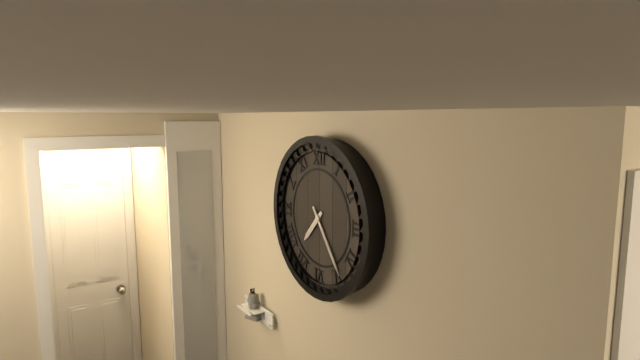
7 h 24 min
